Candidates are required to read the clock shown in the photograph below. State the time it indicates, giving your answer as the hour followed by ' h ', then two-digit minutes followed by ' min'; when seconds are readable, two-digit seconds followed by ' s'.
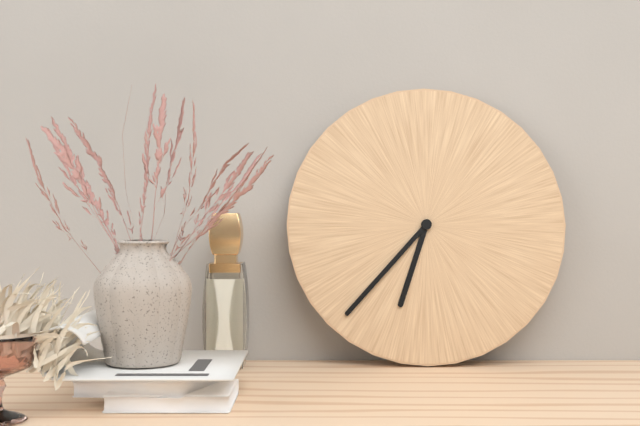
6 h 37 min
